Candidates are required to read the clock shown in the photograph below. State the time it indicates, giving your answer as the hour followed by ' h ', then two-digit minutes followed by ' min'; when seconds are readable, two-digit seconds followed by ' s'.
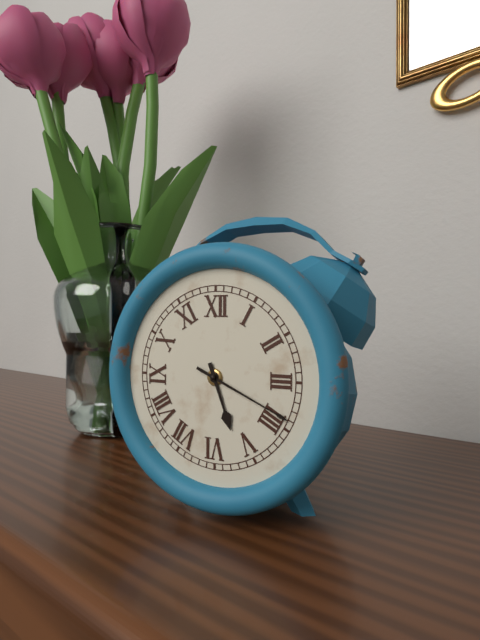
5 h 19 min
